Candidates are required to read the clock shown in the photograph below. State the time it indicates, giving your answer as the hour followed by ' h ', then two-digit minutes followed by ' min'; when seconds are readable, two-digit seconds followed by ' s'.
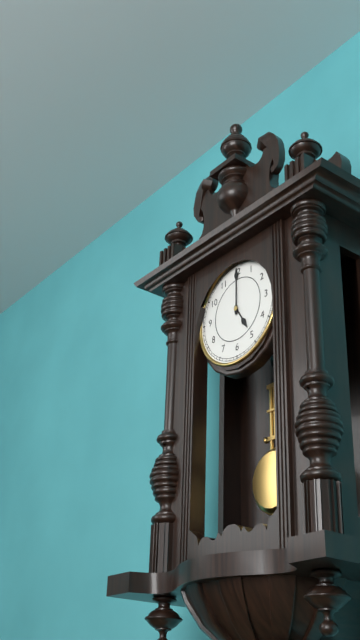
5 h 00 min
